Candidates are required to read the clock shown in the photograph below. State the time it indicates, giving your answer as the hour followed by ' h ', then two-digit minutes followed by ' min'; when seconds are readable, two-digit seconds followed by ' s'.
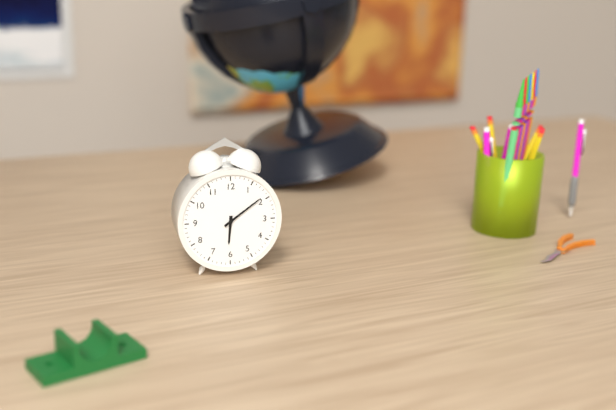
6 h 09 min
